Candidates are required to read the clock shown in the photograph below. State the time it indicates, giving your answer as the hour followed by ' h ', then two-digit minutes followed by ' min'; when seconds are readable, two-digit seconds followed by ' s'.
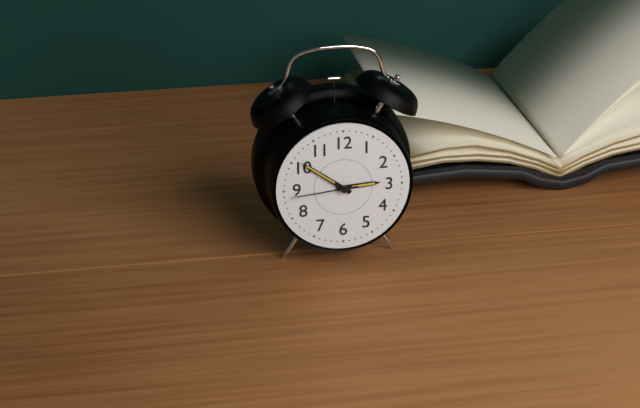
2 h 51 min 44 s
